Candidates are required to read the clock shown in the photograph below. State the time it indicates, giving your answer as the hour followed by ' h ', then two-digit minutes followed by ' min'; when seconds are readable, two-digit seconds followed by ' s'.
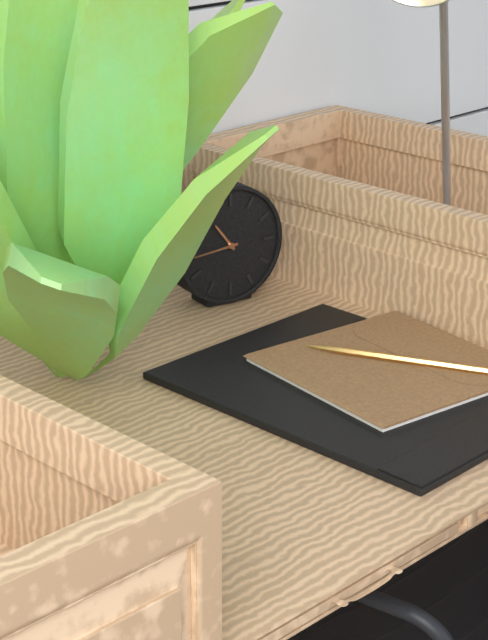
10 h 44 min
